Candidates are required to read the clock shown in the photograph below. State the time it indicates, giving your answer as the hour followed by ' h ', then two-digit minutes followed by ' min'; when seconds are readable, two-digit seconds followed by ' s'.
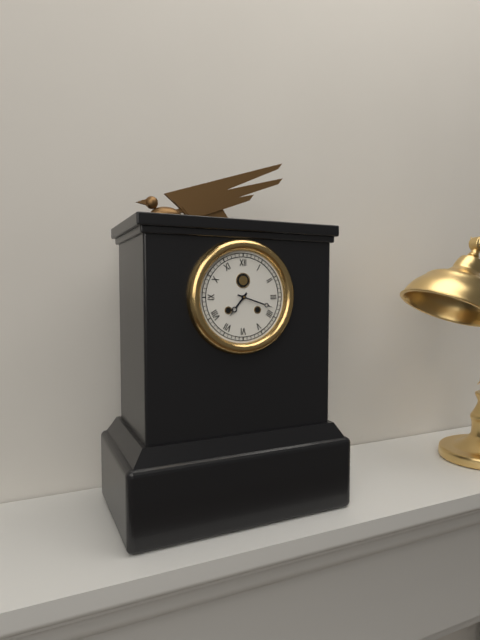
7 h 18 min
